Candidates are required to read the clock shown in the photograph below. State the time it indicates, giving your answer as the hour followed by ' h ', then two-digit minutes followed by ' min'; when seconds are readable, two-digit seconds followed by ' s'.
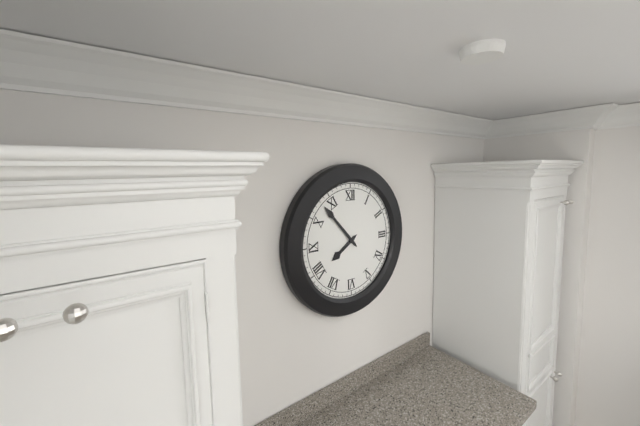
7 h 53 min
